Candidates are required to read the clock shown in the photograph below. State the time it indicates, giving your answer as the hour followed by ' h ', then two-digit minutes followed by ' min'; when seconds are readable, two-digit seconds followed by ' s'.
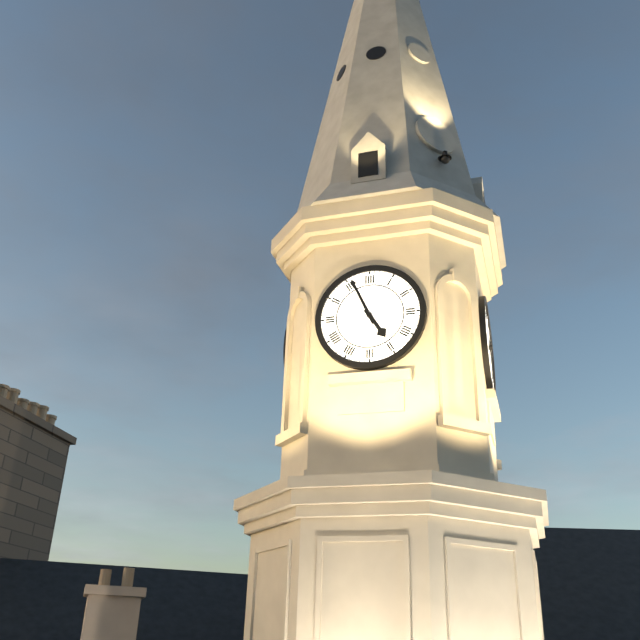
4 h 56 min
